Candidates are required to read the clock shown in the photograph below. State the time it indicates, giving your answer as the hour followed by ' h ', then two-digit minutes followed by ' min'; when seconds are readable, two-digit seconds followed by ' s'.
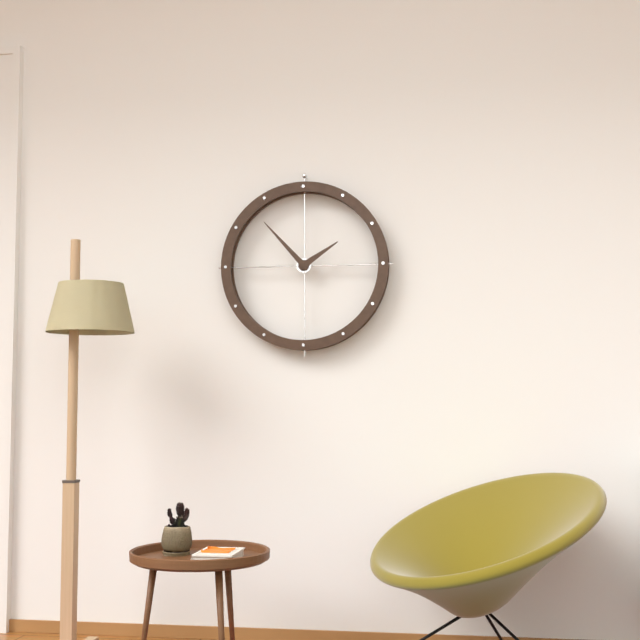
1 h 53 min
